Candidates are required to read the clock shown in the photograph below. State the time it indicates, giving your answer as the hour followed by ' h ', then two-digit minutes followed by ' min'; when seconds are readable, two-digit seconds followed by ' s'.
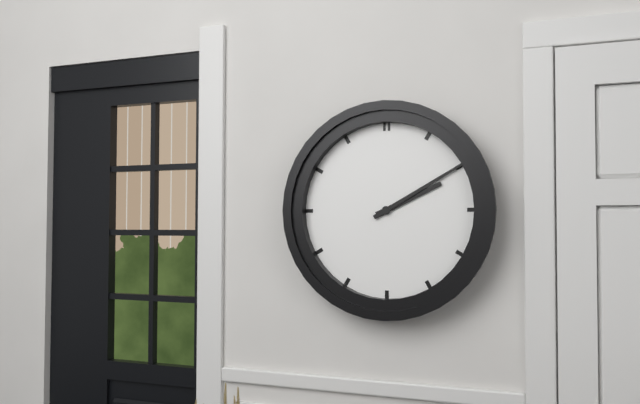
2 h 10 min
